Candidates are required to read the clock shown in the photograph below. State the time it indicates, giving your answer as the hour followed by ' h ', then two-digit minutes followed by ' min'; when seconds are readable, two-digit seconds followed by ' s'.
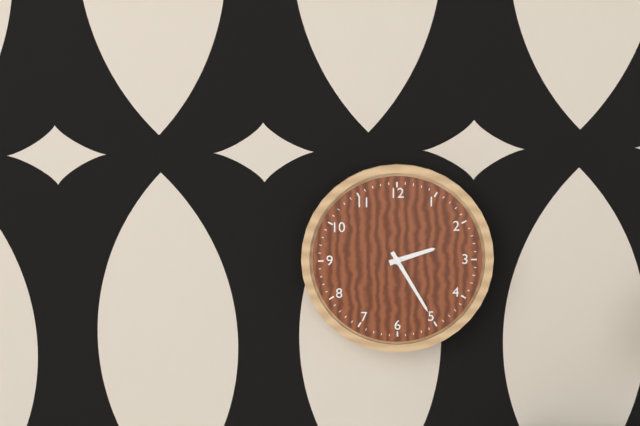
2 h 25 min
